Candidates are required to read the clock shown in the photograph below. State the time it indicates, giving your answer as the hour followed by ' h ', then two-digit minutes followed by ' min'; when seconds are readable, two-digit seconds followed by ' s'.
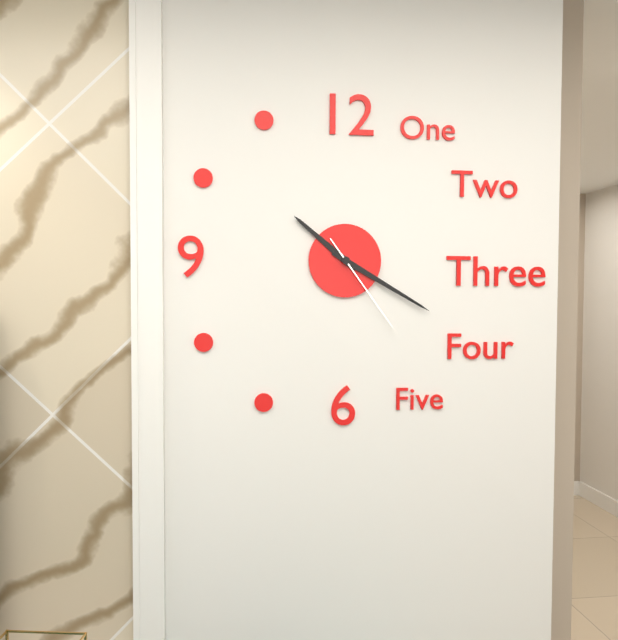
10 h 20 min 24 s
